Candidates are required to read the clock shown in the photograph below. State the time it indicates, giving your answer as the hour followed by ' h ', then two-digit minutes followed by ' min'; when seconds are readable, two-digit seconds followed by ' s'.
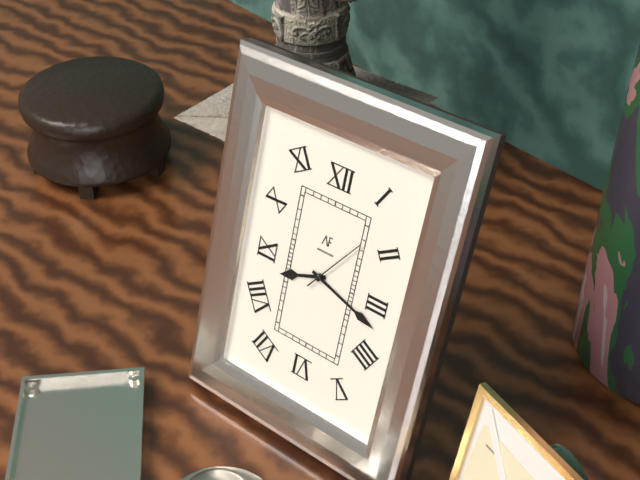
8 h 18 min 06 s
